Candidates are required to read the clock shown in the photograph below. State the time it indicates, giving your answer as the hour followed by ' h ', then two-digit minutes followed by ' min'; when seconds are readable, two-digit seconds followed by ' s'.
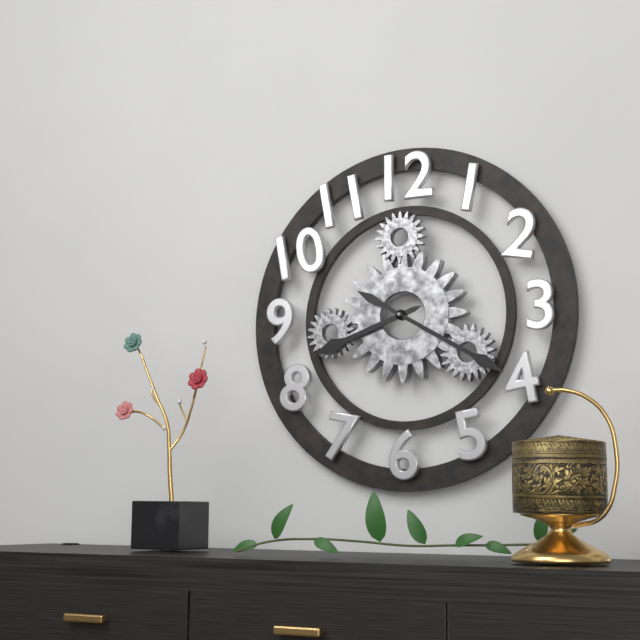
8 h 20 min
